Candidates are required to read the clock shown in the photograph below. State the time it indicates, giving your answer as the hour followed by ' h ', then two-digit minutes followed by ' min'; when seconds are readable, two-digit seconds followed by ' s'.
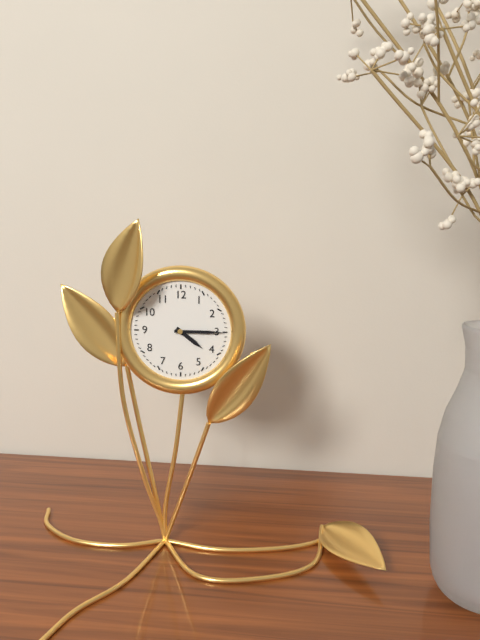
4 h 15 min
